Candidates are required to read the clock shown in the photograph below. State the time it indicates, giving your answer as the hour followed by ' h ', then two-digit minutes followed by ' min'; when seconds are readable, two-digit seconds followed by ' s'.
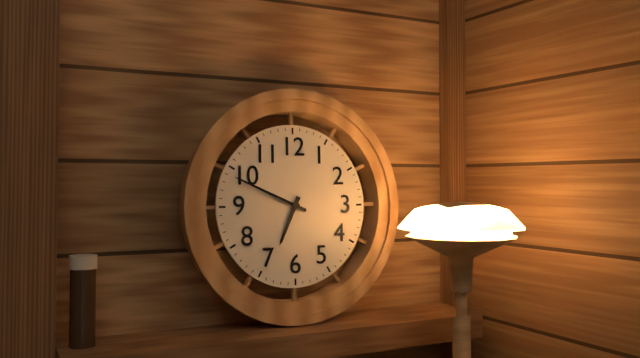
6 h 49 min
